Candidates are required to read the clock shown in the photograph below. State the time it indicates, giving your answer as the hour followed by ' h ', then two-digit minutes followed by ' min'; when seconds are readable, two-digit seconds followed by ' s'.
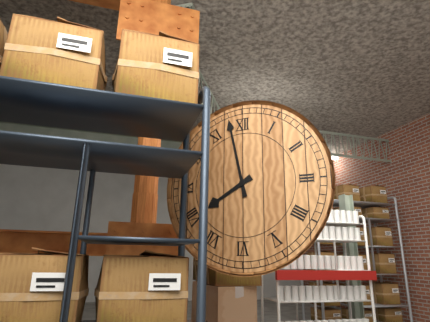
7 h 58 min
